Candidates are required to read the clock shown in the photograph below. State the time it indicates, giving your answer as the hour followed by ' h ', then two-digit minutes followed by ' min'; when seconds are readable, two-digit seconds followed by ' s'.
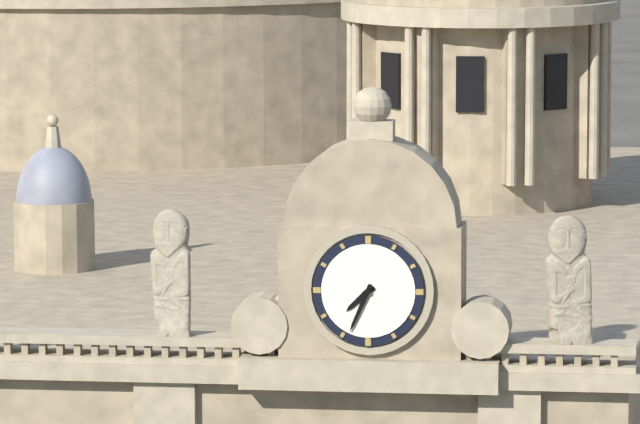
7 h 34 min
